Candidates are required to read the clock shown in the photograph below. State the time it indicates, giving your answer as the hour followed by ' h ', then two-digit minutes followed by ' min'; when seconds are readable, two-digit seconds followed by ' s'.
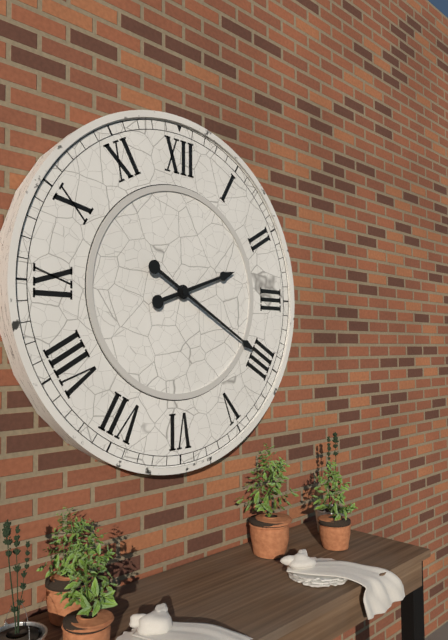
2 h 20 min
